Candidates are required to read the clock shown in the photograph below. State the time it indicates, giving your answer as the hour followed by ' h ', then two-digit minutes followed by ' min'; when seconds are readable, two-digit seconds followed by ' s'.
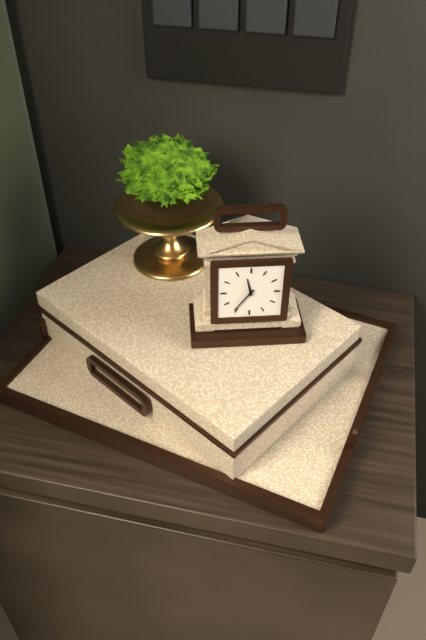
11 h 36 min
